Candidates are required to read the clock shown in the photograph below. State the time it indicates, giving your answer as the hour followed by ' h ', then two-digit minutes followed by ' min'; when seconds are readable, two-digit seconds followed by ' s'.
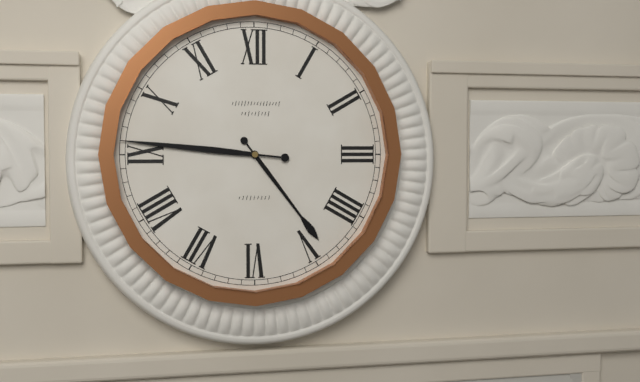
4 h 46 min
